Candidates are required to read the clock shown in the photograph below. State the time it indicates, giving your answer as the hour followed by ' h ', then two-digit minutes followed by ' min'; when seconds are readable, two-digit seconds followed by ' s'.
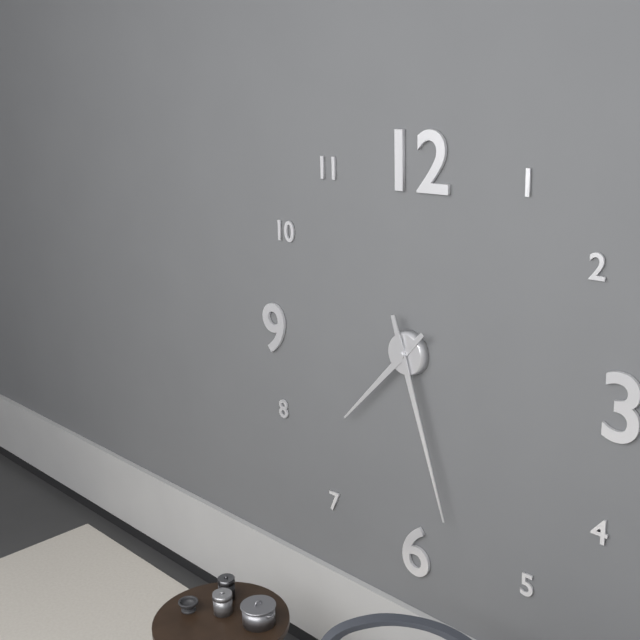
7 h 27 min
